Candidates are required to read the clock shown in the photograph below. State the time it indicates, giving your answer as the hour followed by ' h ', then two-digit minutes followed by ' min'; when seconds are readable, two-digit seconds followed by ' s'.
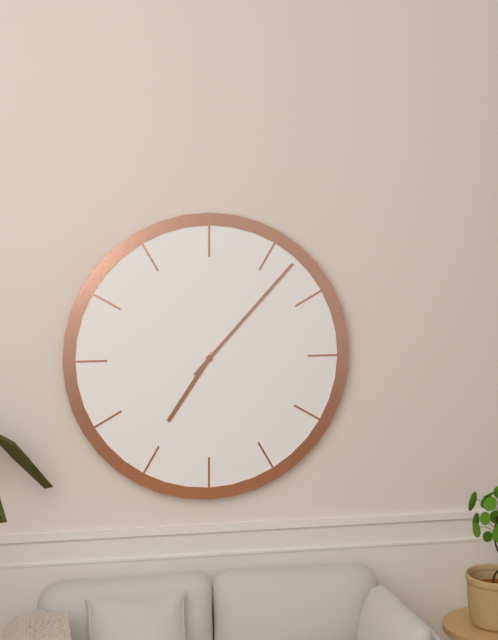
7 h 07 min
